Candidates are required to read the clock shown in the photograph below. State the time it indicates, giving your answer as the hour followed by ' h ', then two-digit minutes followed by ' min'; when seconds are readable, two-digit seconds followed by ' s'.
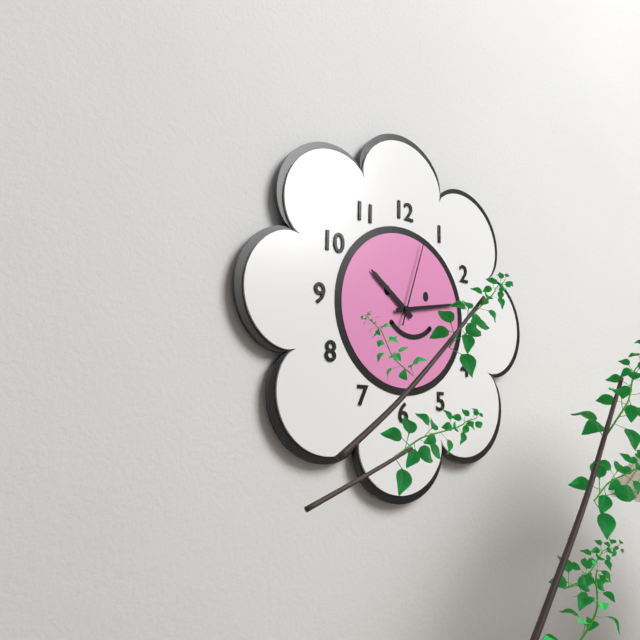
10 h 13 min 03 s
